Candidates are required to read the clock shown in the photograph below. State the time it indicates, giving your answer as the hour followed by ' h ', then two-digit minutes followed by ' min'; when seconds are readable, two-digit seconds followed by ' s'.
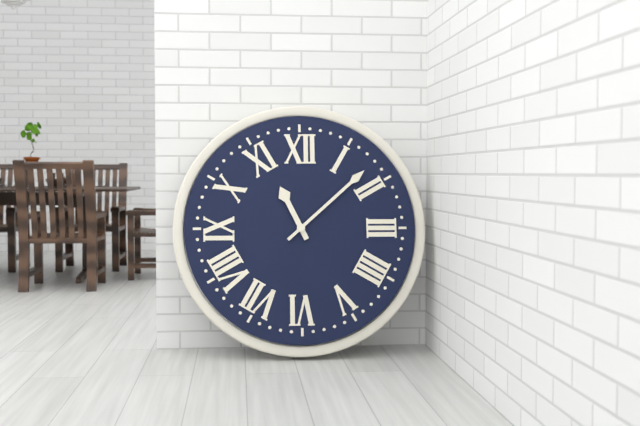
11 h 08 min
